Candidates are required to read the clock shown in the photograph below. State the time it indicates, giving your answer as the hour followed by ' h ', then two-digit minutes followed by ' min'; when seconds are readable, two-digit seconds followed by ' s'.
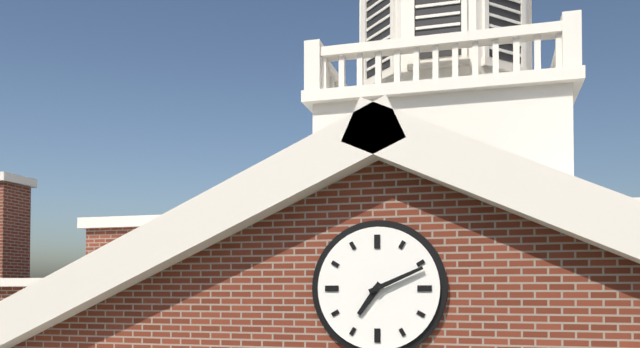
7 h 11 min
